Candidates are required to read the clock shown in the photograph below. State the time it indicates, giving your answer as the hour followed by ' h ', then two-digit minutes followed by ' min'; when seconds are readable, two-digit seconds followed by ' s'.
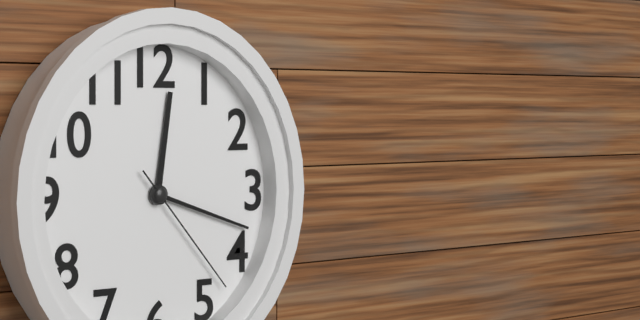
12 h 18 min 23 s
